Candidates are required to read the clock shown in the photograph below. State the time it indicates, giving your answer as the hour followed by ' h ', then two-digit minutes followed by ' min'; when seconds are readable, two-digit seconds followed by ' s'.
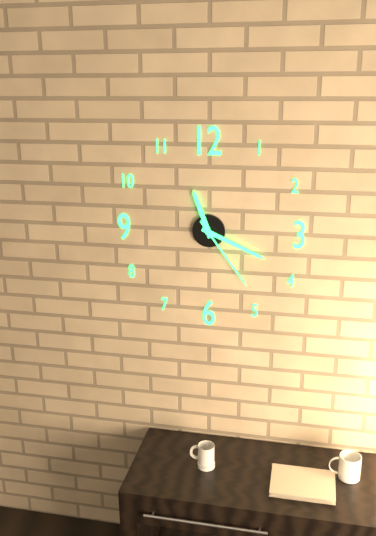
11 h 19 min 24 s
